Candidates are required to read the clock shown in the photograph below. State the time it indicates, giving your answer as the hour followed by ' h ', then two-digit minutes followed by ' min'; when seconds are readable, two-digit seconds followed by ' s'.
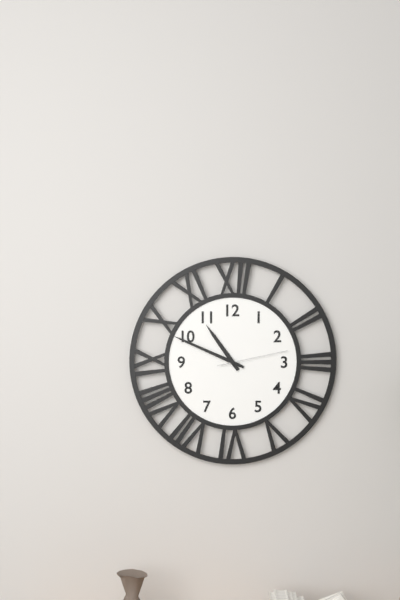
10 h 49 min 13 s
